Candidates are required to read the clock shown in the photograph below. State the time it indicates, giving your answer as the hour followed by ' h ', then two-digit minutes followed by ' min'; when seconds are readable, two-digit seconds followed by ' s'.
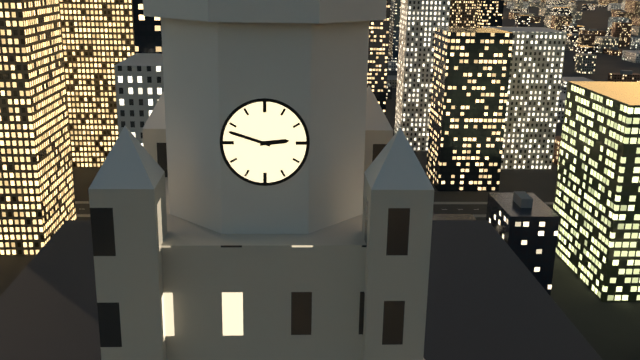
2 h 48 min
